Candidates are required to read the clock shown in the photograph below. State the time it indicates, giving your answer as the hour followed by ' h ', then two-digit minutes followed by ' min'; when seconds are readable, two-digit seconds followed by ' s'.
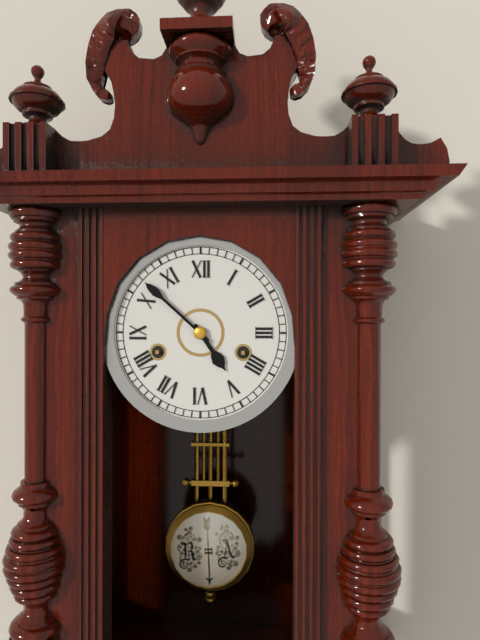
4 h 52 min
